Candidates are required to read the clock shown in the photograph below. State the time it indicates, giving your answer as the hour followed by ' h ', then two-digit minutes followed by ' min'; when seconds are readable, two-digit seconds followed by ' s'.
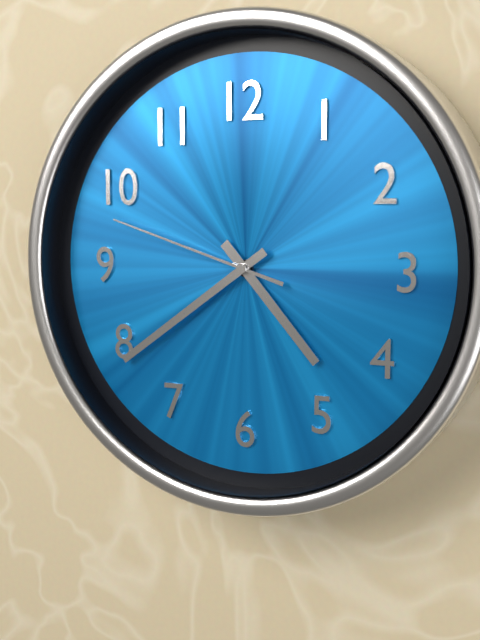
4 h 39 min 48 s
